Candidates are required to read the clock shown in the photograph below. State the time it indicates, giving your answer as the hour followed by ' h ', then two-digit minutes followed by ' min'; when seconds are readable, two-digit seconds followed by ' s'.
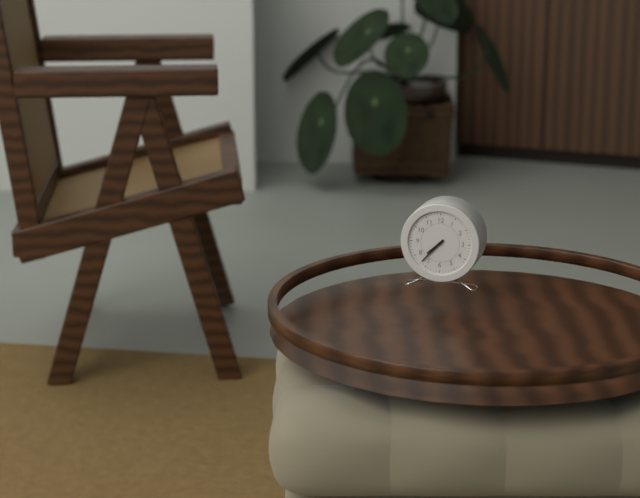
7 h 37 min
